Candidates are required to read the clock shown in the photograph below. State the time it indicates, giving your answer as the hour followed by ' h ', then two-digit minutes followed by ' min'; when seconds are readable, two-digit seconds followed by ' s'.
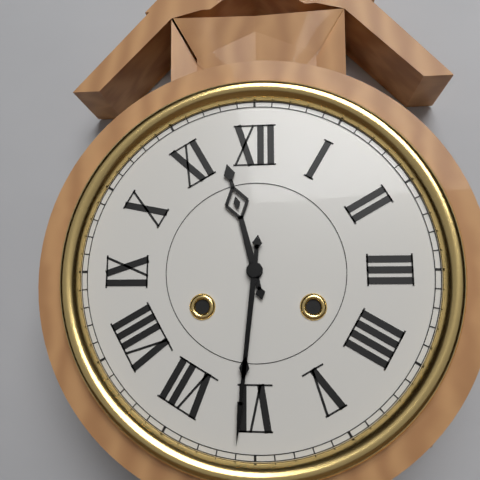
11 h 31 min
